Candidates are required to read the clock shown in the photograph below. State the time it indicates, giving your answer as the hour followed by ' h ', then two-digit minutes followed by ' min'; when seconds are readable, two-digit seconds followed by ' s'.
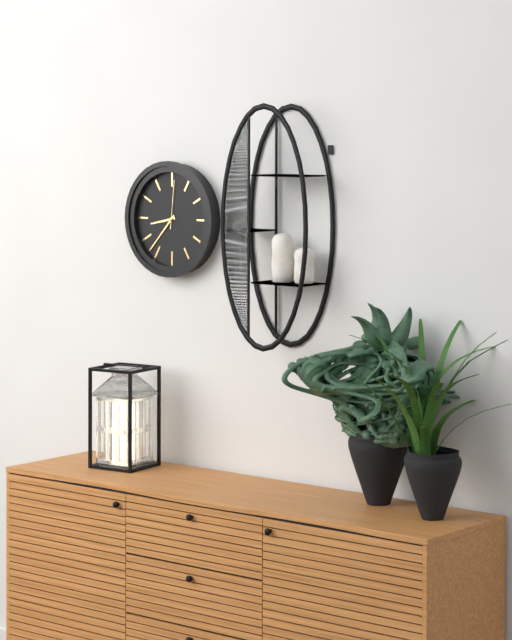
8 h 37 min
